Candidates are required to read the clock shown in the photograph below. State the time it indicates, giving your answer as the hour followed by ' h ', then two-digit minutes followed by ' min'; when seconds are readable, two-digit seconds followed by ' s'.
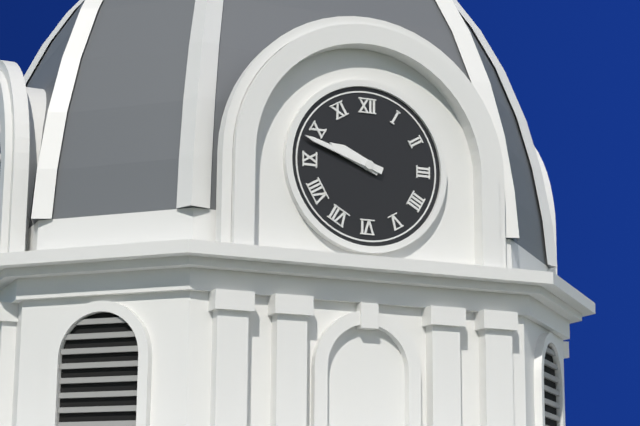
9 h 48 min
